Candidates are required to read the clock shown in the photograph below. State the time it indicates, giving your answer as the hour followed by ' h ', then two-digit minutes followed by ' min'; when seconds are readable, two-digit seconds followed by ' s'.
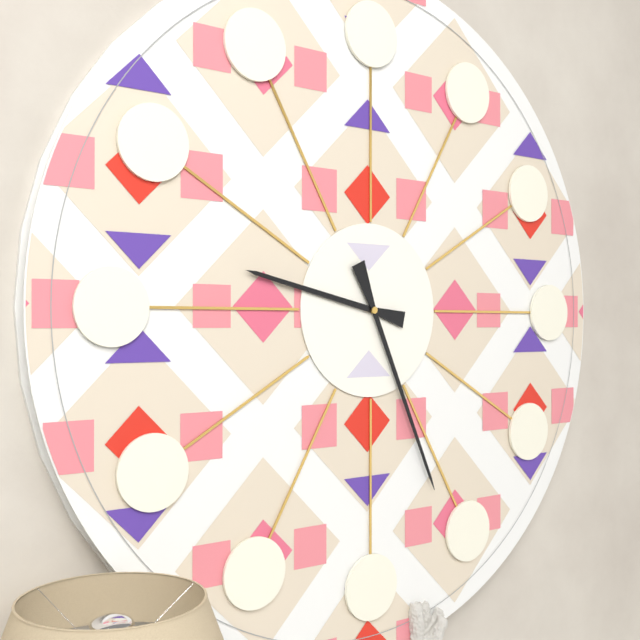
9 h 26 min
